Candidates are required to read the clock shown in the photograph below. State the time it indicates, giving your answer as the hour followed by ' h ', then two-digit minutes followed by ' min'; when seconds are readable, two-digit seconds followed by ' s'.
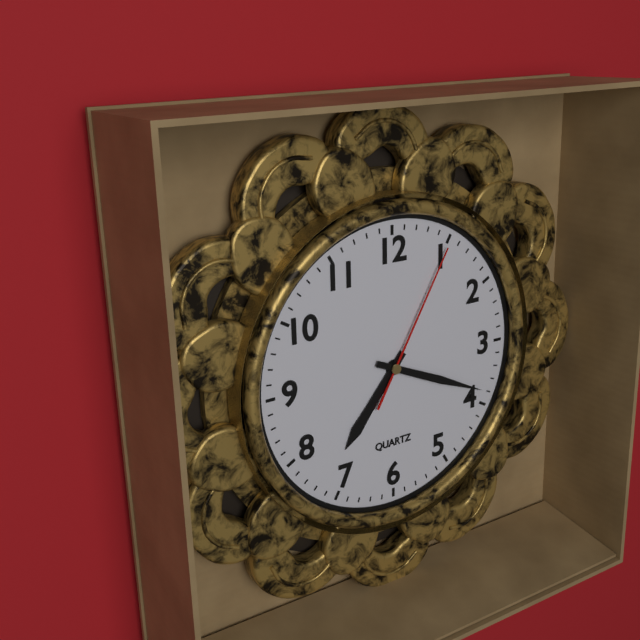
7 h 19 min 05 s
